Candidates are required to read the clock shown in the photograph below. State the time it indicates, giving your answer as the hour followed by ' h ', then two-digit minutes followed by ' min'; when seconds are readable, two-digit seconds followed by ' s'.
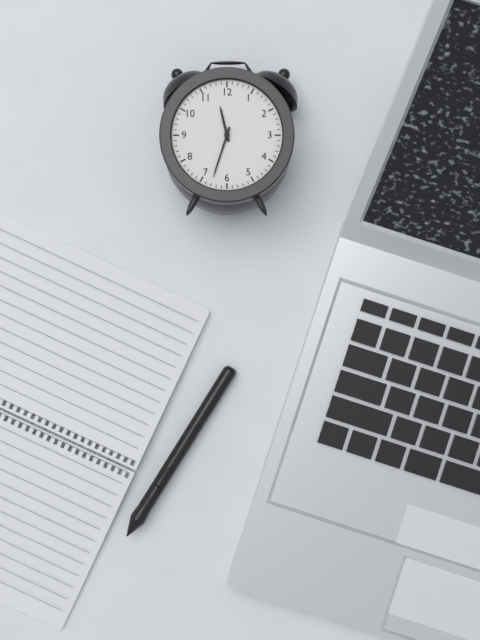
11 h 33 min
